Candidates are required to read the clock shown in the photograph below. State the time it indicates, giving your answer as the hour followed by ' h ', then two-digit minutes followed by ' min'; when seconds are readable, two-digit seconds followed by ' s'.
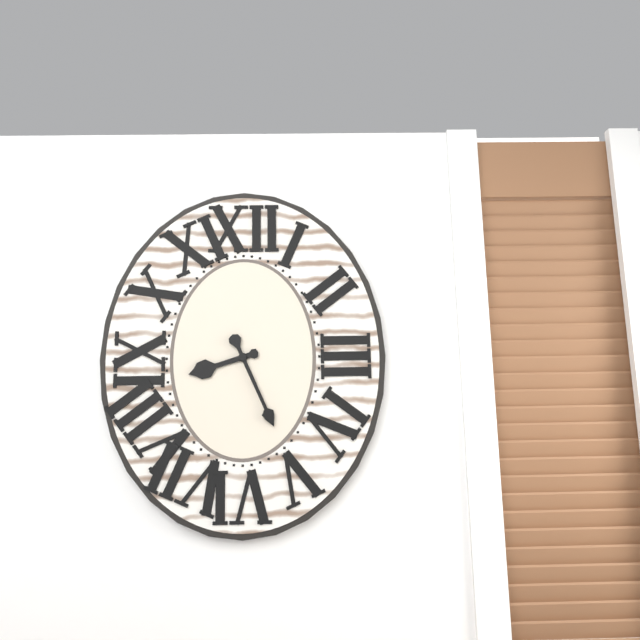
8 h 26 min
